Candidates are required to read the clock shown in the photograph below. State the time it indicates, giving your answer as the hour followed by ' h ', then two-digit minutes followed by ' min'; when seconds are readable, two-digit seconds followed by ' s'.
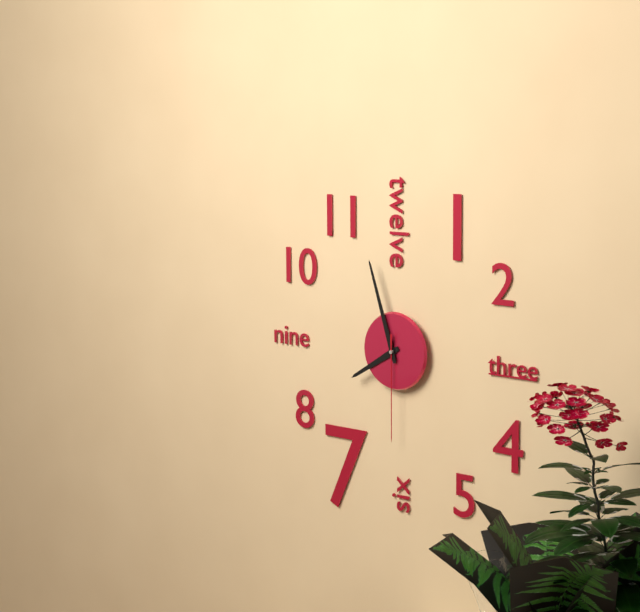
7 h 57 min 30 s
